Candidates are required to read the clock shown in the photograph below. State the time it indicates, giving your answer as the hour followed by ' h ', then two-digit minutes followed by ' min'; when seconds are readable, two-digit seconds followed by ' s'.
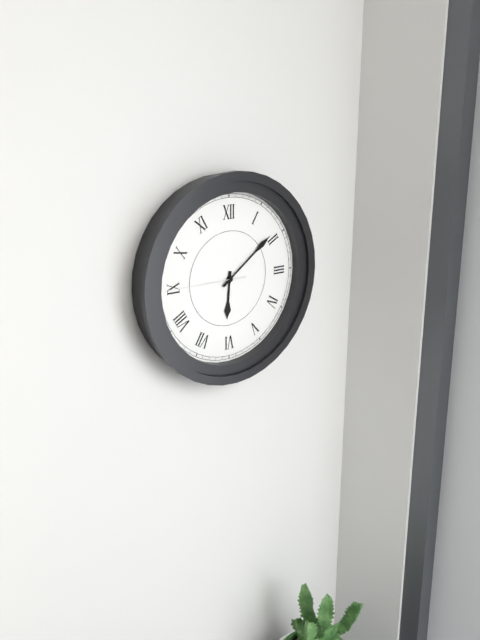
6 h 09 min 45 s
